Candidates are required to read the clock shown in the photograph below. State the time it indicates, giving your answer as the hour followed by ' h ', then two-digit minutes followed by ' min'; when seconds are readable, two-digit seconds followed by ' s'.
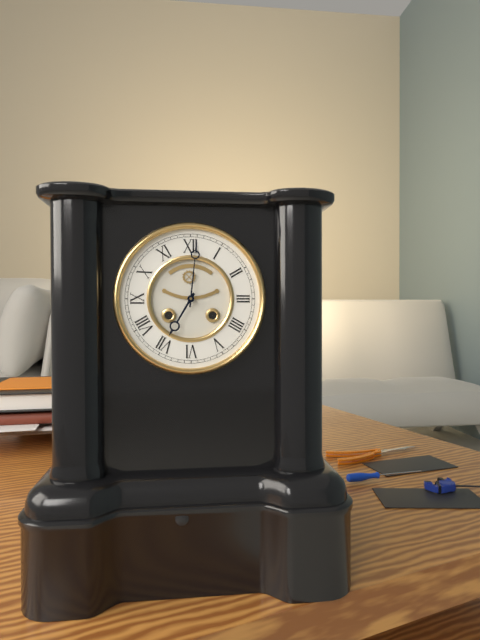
7 h 01 min
